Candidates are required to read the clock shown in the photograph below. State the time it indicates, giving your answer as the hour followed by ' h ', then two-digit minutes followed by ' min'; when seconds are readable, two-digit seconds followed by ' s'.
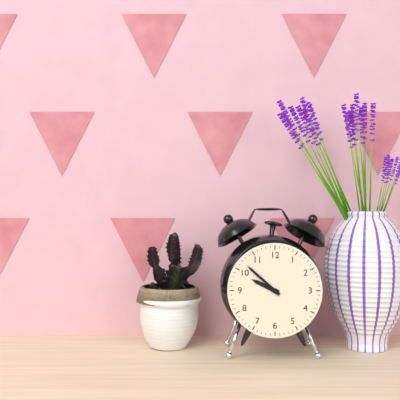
9 h 52 min
